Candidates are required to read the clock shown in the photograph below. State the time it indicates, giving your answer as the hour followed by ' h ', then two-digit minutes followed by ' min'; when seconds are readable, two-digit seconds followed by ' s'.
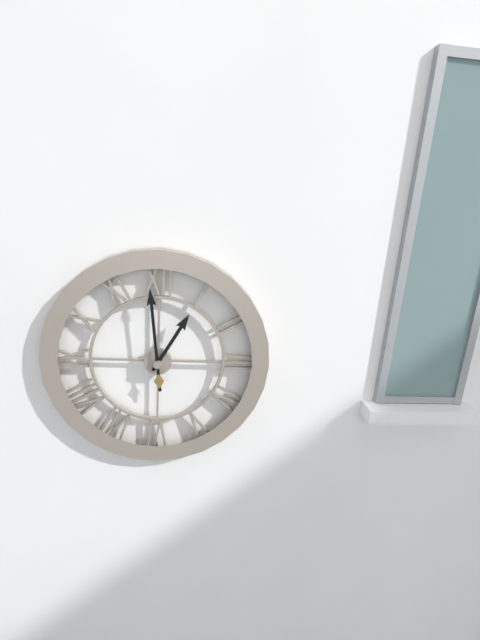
12 h 59 min
